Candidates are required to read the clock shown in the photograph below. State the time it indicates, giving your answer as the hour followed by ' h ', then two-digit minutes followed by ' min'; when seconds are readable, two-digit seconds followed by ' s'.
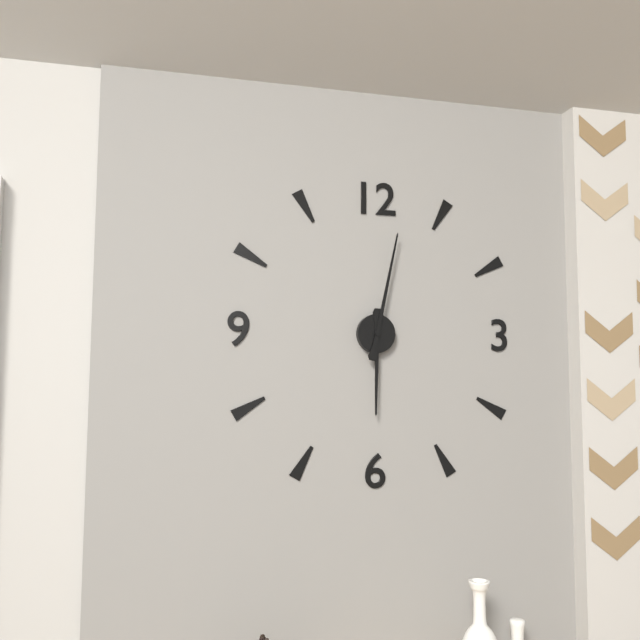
6 h 02 min
